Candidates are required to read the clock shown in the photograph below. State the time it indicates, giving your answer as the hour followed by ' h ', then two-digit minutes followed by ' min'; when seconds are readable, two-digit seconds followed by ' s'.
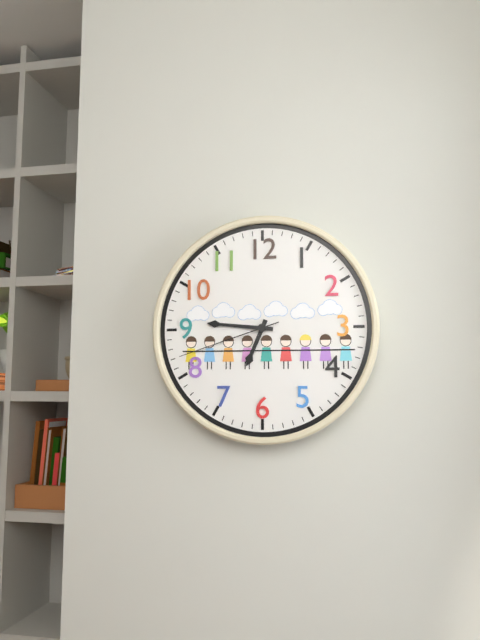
6 h 46 min 42 s
